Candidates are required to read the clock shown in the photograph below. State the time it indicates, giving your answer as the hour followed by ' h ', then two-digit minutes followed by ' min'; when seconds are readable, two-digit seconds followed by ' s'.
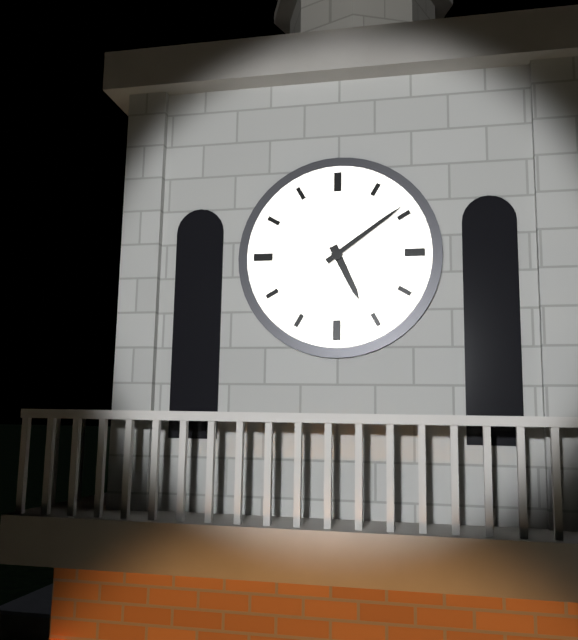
5 h 09 min
